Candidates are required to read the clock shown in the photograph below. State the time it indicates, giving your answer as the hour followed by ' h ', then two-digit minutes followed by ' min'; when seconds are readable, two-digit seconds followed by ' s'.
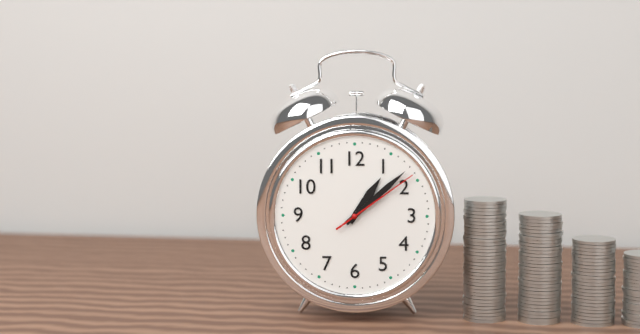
1 h 08 min 09 s
